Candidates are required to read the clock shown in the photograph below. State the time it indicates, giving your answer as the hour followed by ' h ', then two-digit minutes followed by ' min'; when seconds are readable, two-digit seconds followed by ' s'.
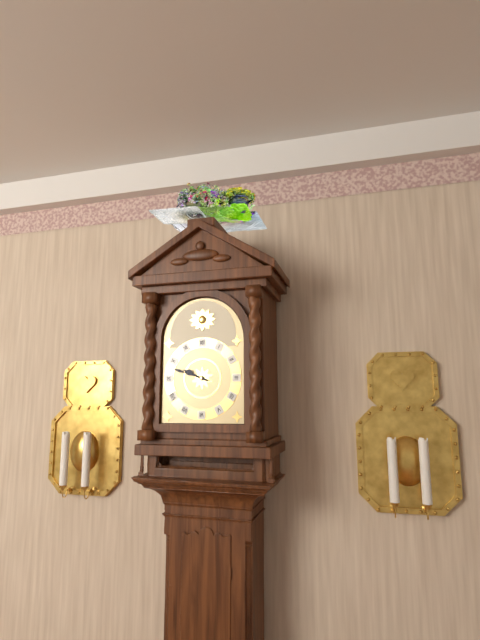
9 h 48 min
